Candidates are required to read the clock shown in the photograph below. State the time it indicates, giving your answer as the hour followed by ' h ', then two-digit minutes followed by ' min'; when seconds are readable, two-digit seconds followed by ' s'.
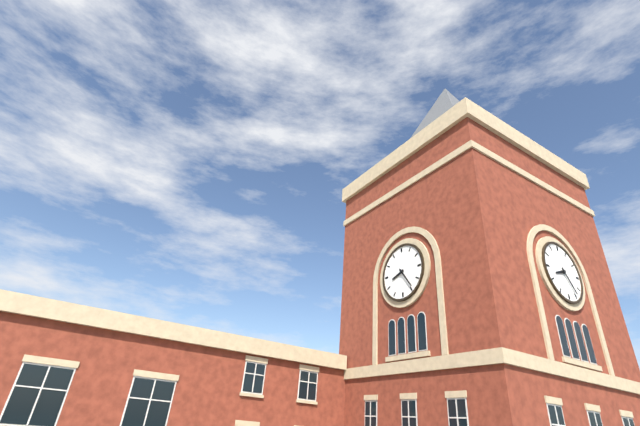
8 h 24 min
